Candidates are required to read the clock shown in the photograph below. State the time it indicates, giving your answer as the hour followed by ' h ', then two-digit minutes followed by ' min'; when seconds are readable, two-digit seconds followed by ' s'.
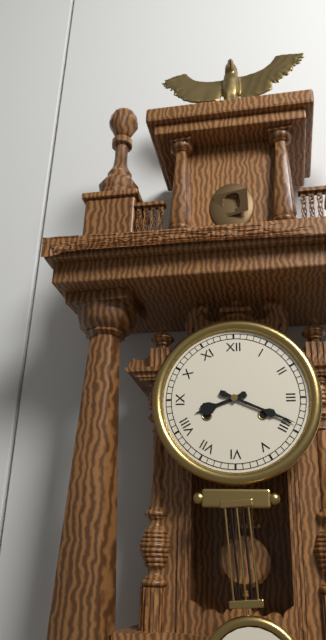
8 h 19 min
